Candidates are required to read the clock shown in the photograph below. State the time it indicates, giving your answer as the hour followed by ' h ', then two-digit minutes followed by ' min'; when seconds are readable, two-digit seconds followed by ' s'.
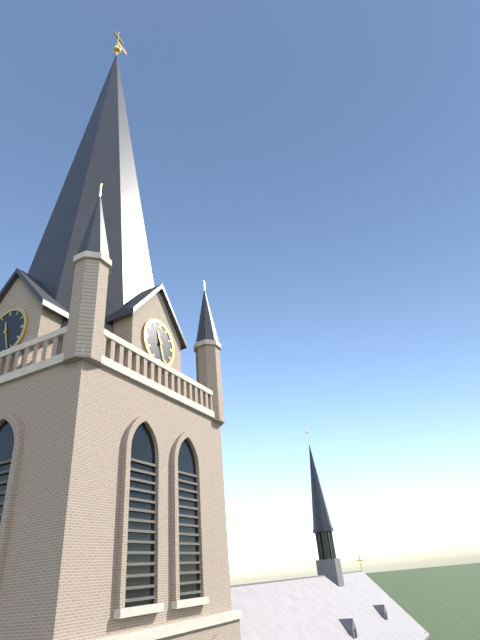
11 h 27 min
